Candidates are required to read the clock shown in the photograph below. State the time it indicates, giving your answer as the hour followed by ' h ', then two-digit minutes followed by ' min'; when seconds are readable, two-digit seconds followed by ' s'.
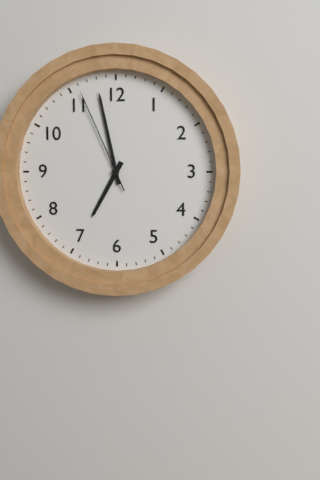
6 h 58 min 56 s
